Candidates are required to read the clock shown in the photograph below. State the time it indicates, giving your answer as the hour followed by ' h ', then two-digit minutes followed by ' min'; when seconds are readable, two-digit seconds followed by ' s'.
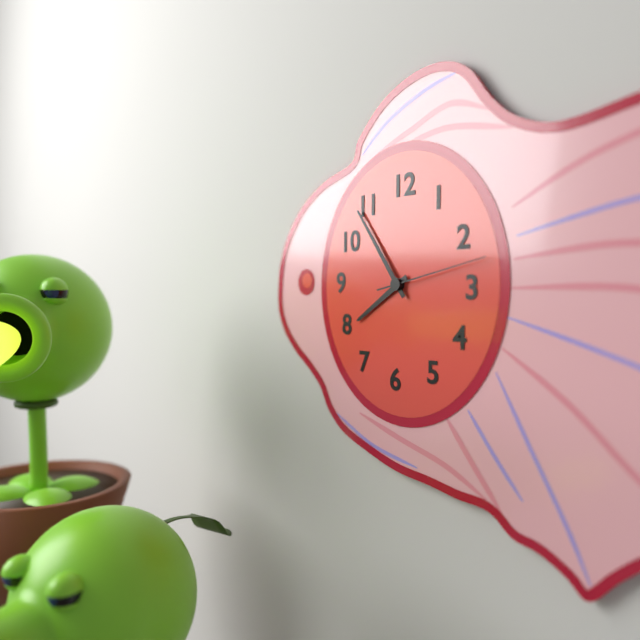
7 h 54 min 13 s
